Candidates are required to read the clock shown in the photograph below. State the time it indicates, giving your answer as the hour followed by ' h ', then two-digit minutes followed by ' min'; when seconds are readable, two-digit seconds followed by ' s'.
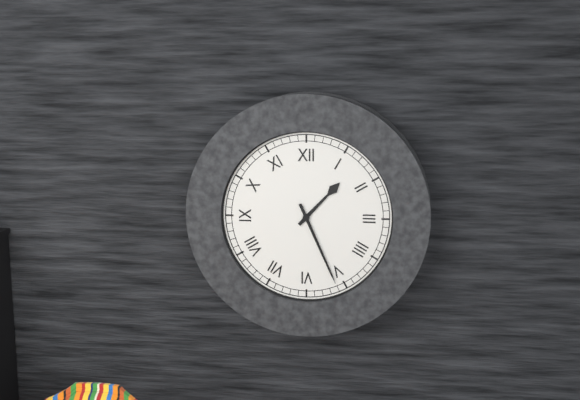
1 h 26 min
